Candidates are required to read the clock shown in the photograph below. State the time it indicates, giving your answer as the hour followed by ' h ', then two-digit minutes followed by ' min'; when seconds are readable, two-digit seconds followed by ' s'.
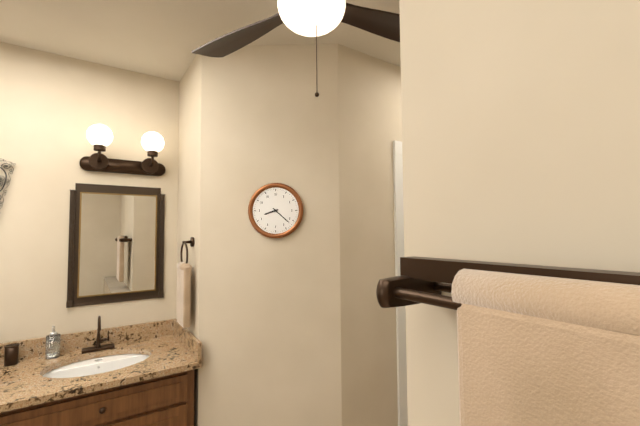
8 h 22 min
